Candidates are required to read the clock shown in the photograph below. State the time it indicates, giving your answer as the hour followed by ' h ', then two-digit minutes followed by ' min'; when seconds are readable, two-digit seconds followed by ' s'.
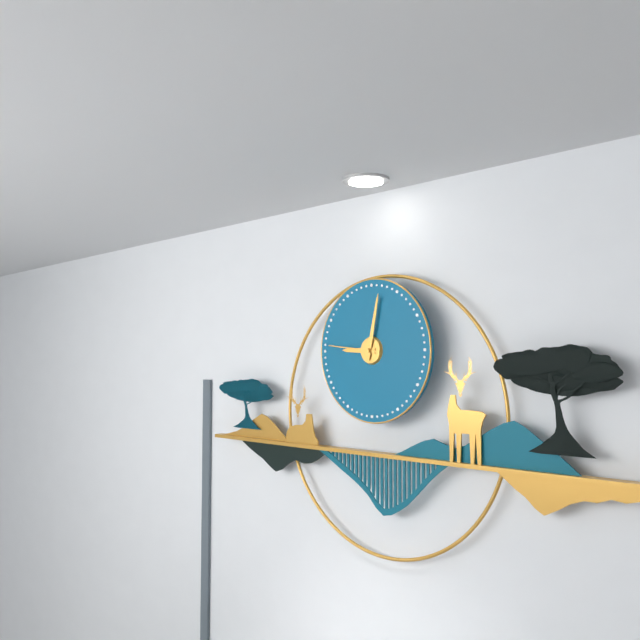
9 h 02 min 46 s
